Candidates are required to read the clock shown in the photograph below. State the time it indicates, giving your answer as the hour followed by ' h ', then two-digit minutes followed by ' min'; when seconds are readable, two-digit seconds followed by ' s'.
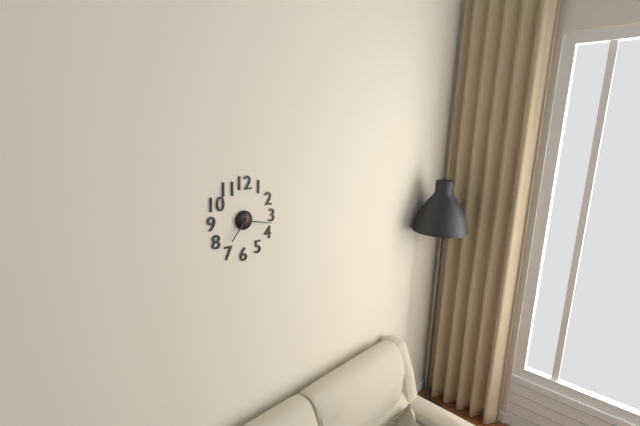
7 h 17 min
